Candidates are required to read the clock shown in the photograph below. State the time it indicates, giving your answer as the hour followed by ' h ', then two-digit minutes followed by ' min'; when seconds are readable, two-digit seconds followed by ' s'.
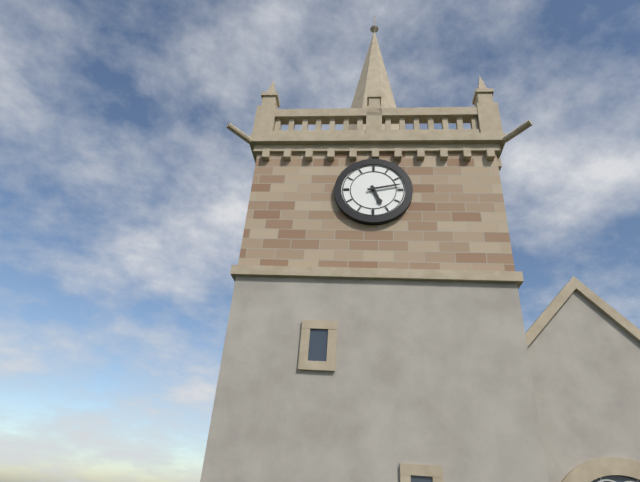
5 h 13 min
